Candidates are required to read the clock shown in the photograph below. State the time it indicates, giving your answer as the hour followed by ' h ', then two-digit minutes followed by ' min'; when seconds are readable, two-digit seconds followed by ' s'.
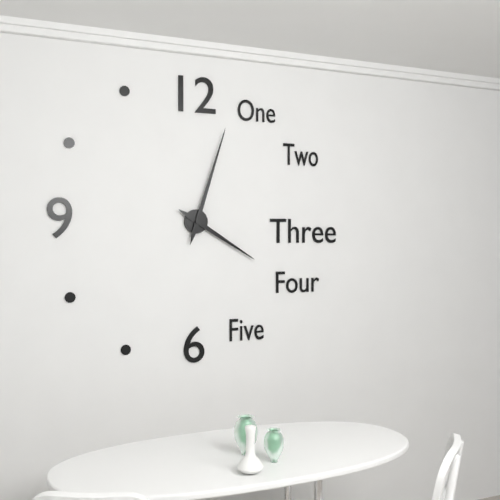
4 h 03 min
